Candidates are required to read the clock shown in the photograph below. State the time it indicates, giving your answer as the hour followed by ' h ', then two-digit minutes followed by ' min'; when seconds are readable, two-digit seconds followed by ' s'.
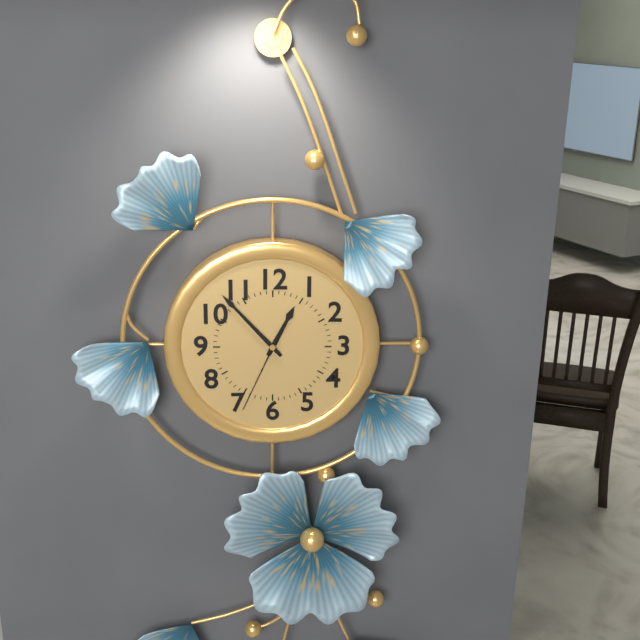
12 h 53 min 34 s
